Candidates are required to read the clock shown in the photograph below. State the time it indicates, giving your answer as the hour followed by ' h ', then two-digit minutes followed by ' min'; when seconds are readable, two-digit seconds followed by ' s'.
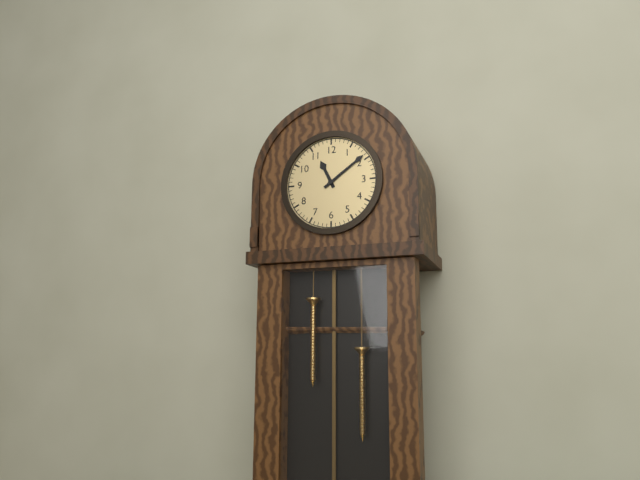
11 h 09 min
